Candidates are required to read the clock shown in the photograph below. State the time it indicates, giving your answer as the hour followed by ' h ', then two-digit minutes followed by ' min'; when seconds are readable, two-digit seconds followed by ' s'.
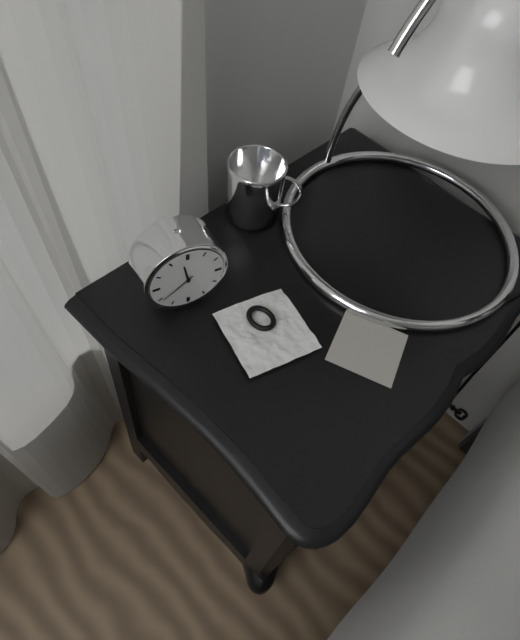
11 h 39 min
